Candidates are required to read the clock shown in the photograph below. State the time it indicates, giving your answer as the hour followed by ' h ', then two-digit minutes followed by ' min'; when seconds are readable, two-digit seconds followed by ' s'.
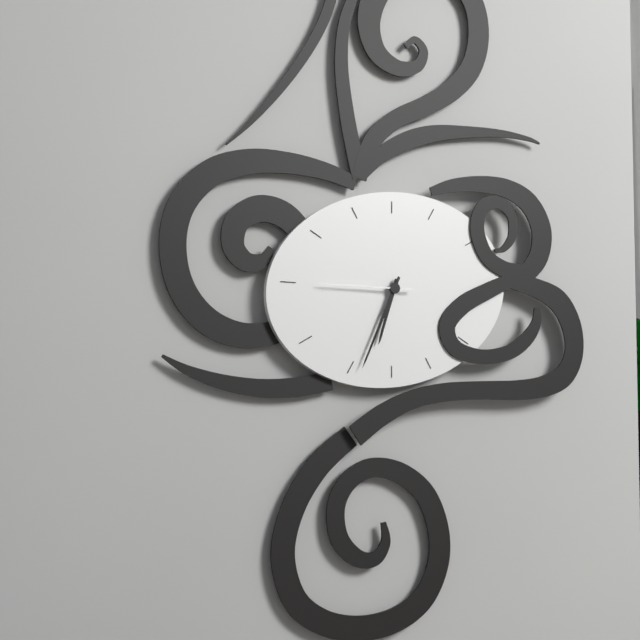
6 h 34 min 45 s
